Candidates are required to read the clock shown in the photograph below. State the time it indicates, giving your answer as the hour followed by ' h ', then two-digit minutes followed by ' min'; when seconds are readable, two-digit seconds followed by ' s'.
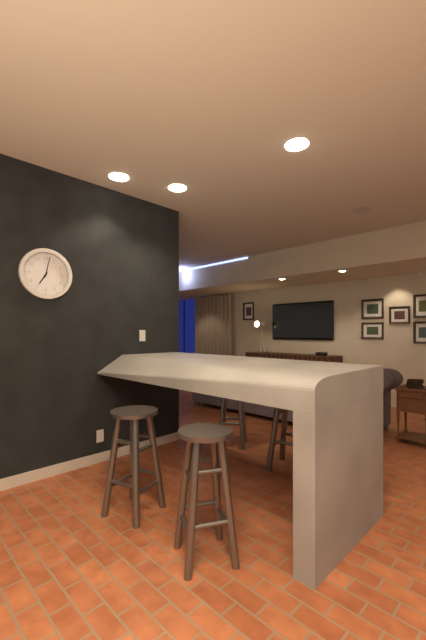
7 h 02 min
